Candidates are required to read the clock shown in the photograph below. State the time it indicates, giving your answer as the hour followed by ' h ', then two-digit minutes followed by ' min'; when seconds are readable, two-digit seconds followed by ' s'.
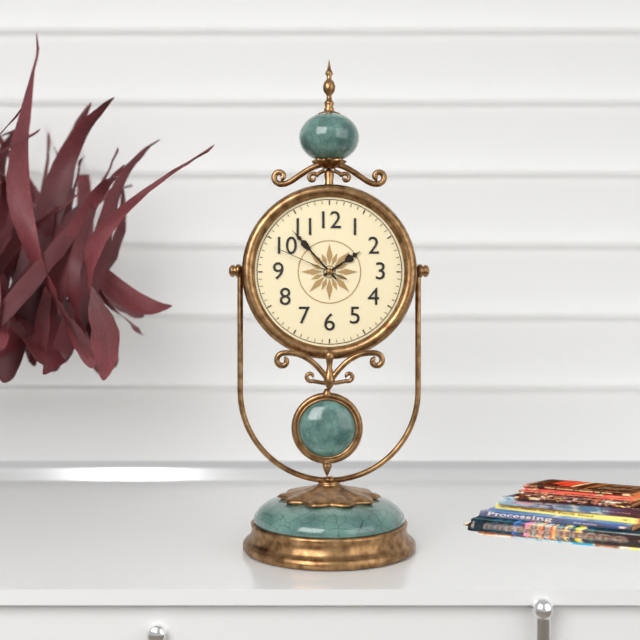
1 h 53 min 49 s
